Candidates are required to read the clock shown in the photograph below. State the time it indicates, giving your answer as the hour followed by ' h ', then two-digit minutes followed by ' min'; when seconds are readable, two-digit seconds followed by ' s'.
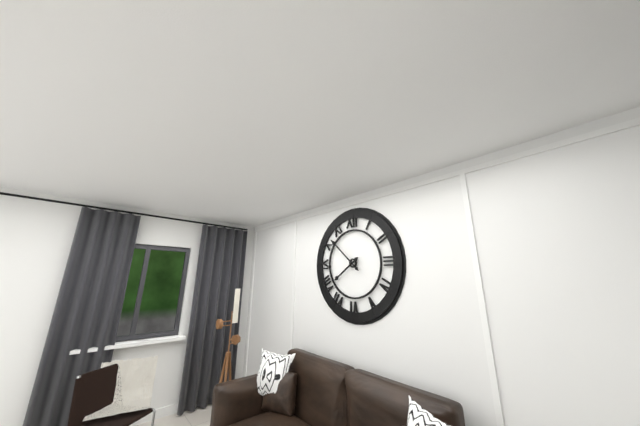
7 h 52 min
